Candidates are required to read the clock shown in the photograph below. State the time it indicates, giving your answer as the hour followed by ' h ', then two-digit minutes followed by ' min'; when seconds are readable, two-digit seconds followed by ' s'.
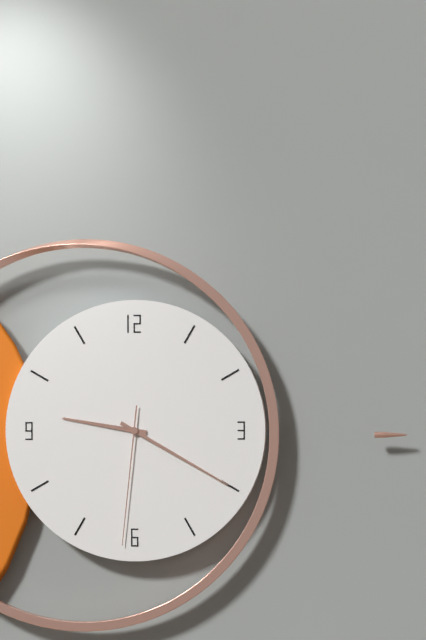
9 h 20 min 31 s
